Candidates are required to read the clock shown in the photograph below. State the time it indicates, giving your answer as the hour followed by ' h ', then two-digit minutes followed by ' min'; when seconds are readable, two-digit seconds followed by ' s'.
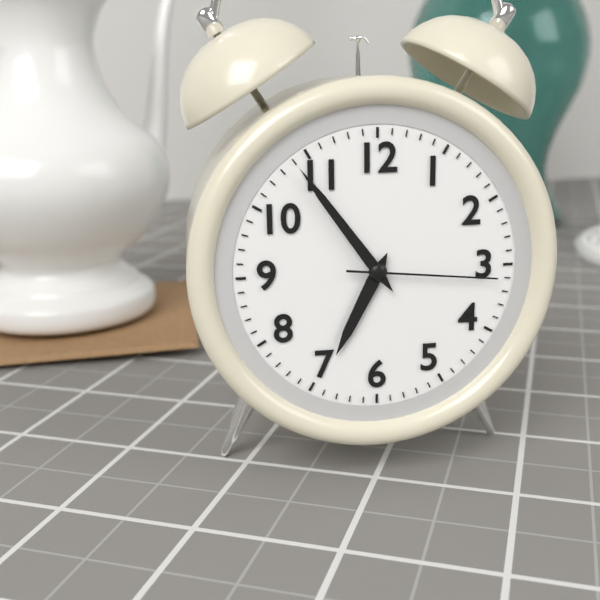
6 h 54 min 16 s
